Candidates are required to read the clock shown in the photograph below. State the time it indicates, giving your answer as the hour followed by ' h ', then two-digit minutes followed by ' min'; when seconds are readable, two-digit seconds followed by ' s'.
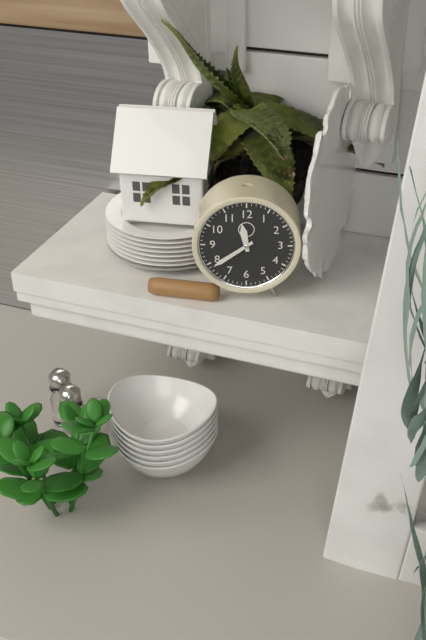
11 h 39 min
